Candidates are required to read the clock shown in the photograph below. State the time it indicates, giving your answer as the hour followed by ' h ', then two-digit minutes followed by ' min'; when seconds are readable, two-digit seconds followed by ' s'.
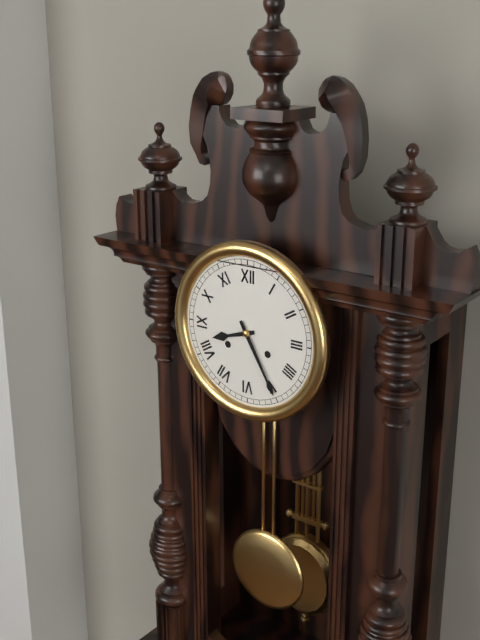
8 h 25 min
